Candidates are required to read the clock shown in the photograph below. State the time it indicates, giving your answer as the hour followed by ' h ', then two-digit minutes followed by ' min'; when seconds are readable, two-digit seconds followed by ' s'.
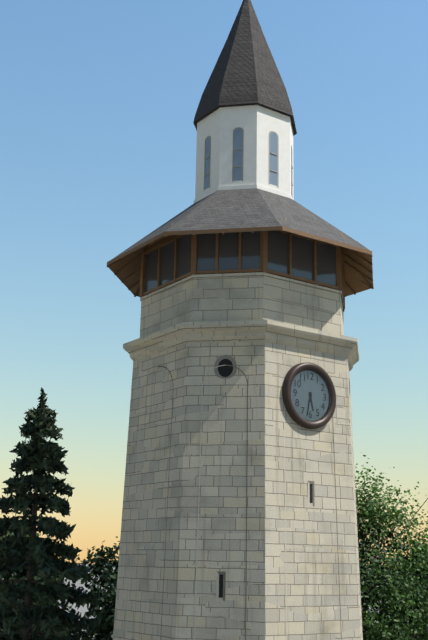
5 h 32 min
